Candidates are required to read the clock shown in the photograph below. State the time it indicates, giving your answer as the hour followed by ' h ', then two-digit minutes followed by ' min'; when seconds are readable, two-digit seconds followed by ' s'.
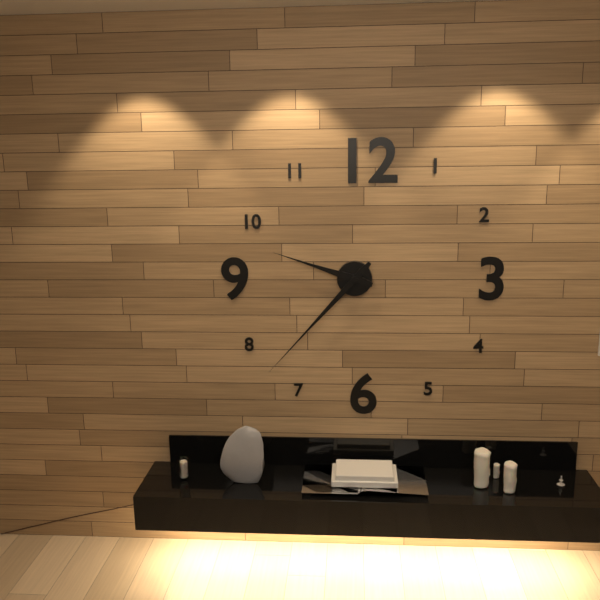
9 h 37 min
